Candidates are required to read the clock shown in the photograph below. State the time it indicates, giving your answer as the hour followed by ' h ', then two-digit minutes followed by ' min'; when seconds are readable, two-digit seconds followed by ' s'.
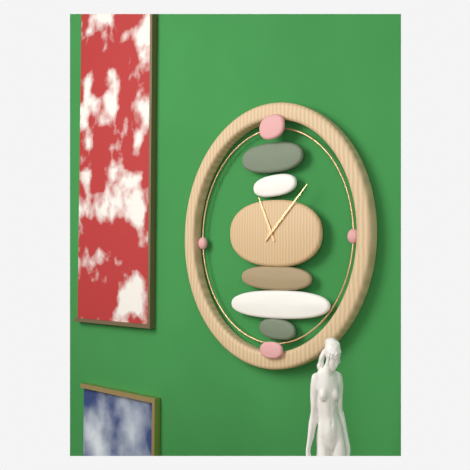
11 h 08 min
